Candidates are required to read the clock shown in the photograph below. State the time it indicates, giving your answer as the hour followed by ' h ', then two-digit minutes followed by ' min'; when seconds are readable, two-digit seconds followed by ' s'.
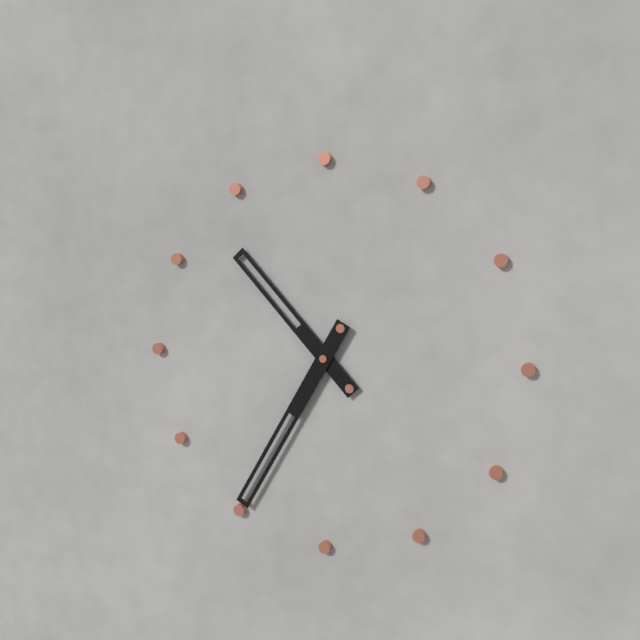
10 h 35 min
